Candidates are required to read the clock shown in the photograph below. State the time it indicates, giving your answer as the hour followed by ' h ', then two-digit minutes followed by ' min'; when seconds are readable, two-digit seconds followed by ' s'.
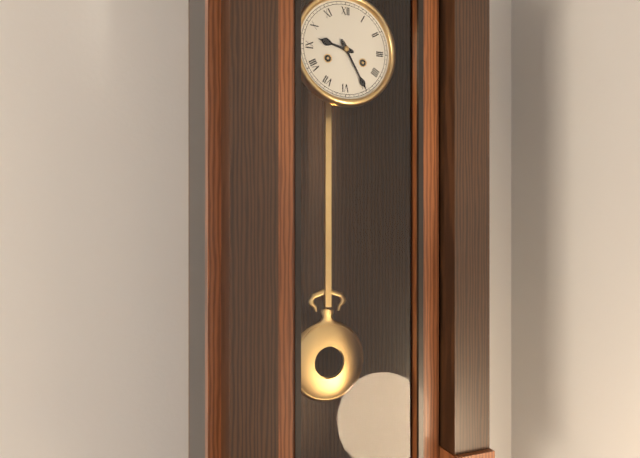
9 h 25 min
